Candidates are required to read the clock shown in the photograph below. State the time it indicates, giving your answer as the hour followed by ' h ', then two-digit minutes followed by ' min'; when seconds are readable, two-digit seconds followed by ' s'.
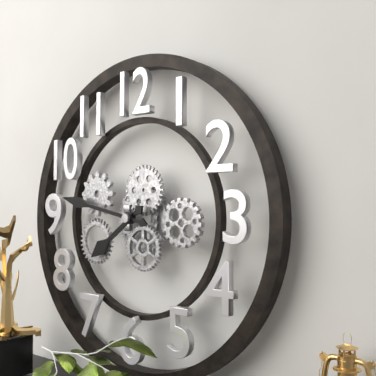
7 h 47 min
